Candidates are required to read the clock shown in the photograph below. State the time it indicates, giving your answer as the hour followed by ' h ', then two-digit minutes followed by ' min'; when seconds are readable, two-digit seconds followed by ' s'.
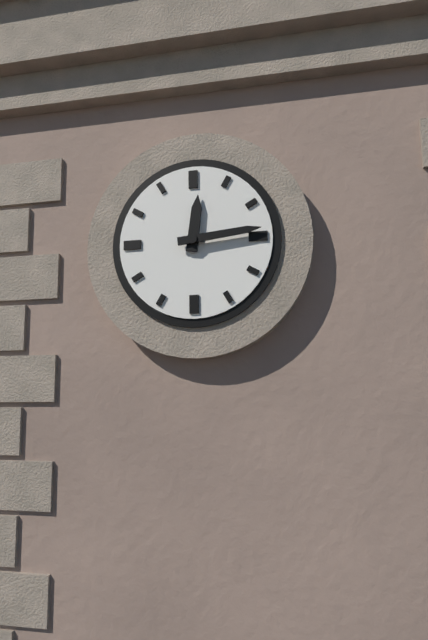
12 h 14 min
